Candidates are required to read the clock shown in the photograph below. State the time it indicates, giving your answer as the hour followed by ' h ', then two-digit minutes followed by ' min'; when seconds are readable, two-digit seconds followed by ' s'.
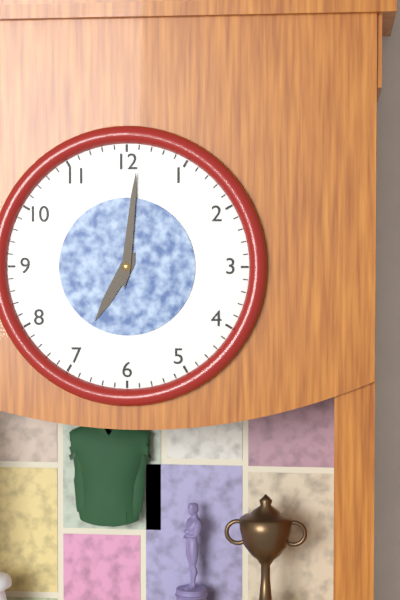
7 h 01 min
